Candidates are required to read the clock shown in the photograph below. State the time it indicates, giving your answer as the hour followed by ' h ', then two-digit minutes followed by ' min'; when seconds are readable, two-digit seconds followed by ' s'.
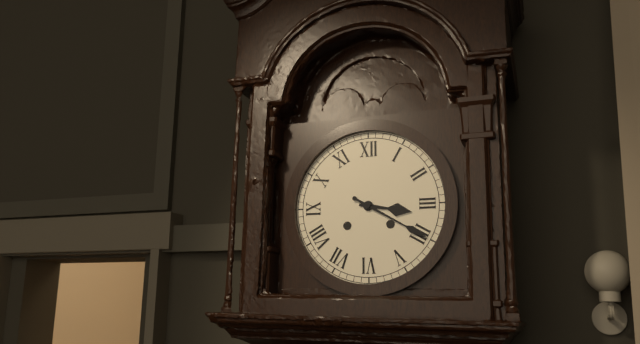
3 h 20 min
